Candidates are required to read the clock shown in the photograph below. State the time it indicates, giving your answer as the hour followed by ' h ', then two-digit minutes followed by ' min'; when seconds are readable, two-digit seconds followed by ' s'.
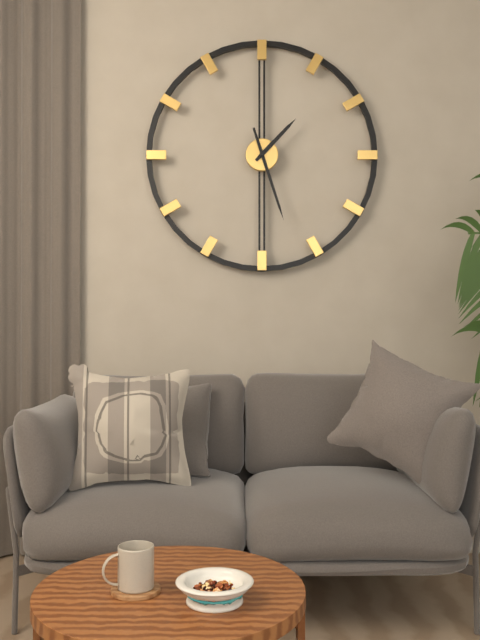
1 h 27 min
